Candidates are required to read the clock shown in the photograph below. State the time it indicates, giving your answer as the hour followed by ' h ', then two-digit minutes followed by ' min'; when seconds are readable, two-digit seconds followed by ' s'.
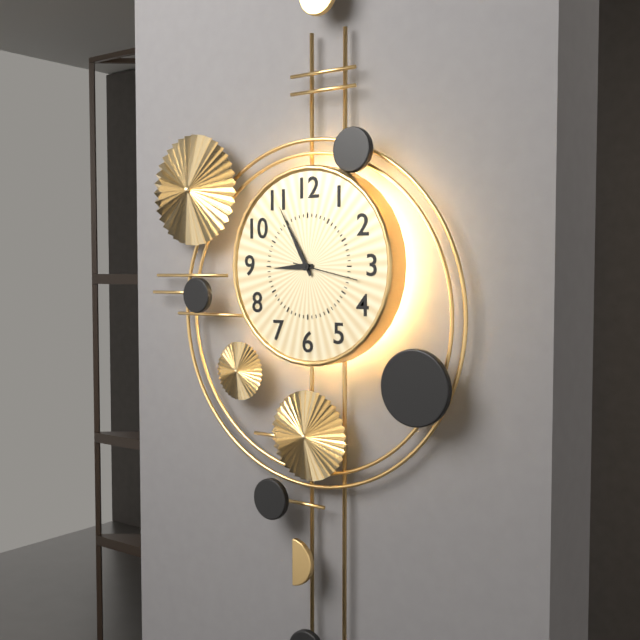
8 h 55 min 17 s
